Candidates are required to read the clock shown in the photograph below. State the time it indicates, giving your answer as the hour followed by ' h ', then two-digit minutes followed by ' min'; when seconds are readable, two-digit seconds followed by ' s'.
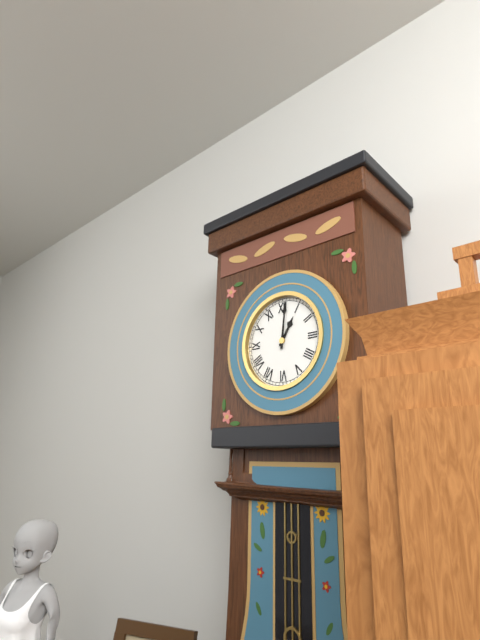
1 h 01 min
